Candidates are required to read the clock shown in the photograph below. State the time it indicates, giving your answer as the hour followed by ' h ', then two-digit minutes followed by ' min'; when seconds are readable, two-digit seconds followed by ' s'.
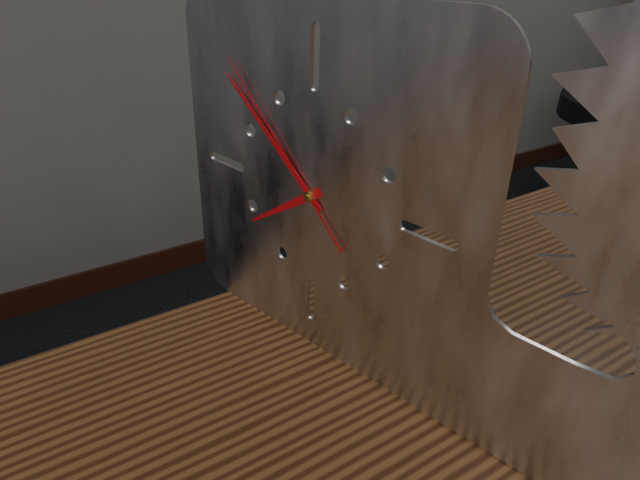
7 h 52 min 53 s
